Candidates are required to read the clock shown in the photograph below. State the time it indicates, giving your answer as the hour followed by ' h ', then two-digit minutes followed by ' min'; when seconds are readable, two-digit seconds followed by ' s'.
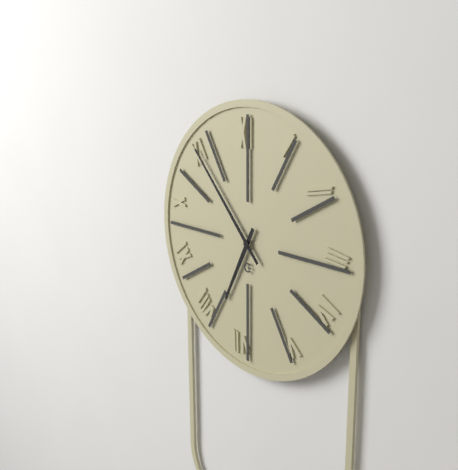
6 h 53 min
